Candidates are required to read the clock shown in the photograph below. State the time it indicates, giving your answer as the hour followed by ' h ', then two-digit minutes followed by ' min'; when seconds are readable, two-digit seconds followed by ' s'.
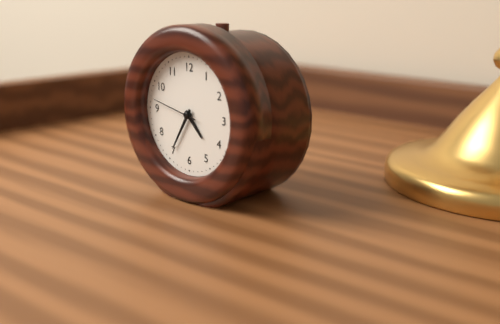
4 h 35 min 47 s
